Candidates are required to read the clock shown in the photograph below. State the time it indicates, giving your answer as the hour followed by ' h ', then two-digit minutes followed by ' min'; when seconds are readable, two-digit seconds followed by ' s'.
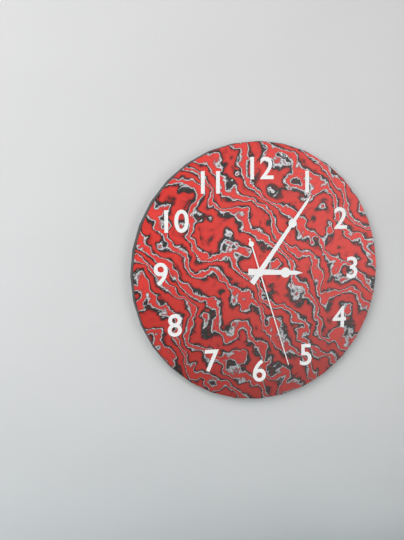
3 h 06 min 27 s
